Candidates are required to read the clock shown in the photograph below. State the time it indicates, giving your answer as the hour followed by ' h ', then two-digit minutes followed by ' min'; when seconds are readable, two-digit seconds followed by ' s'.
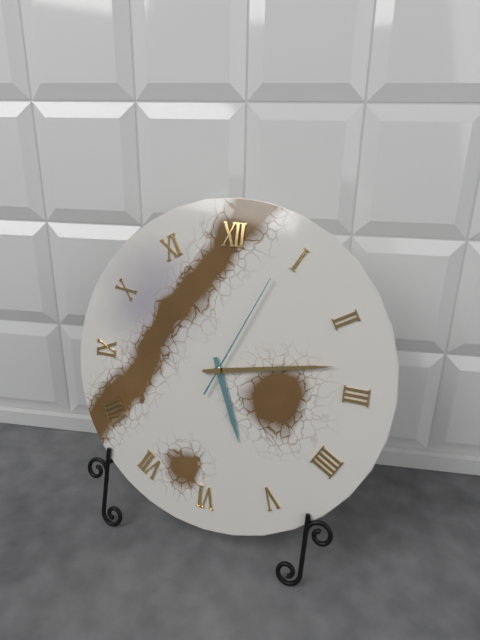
5 h 13 min 04 s
